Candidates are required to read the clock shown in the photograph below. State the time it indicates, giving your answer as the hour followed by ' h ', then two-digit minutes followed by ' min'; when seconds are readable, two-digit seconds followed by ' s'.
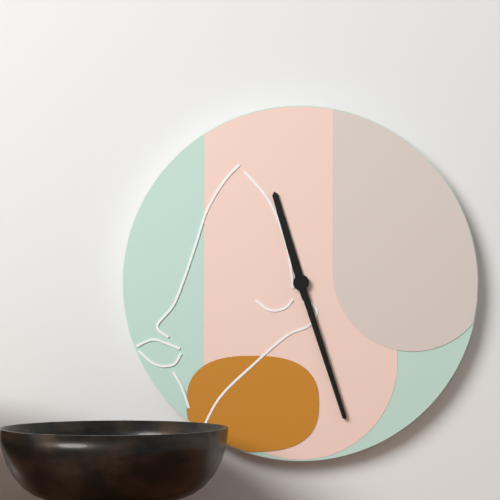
11 h 27 min
